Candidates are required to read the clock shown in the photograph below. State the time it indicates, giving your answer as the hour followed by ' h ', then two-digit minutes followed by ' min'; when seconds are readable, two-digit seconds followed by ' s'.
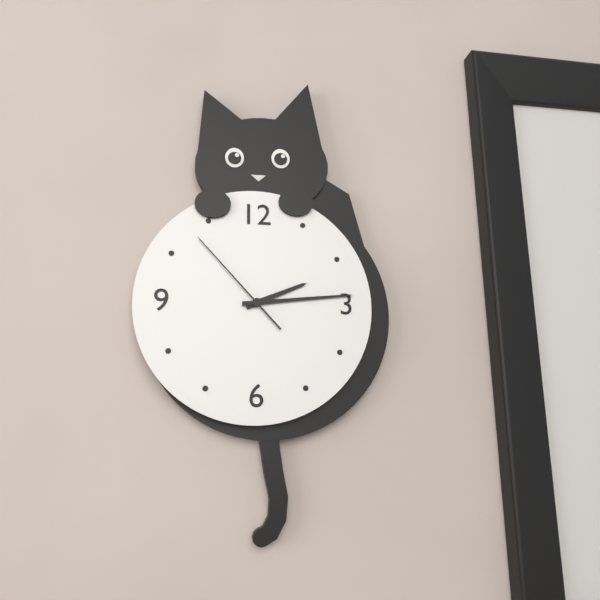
2 h 14 min 53 s
